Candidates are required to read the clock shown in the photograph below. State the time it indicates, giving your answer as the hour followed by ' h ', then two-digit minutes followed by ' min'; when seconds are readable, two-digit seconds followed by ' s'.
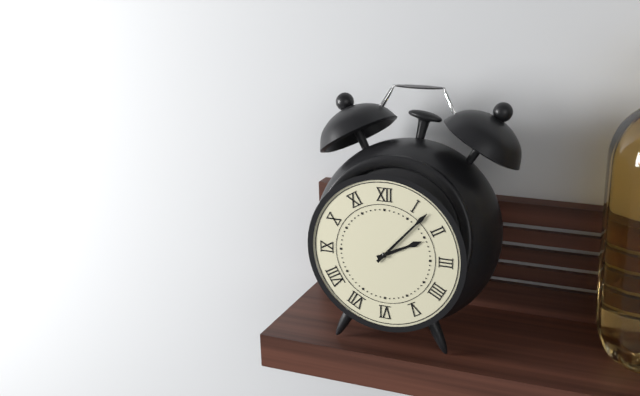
2 h 07 min
